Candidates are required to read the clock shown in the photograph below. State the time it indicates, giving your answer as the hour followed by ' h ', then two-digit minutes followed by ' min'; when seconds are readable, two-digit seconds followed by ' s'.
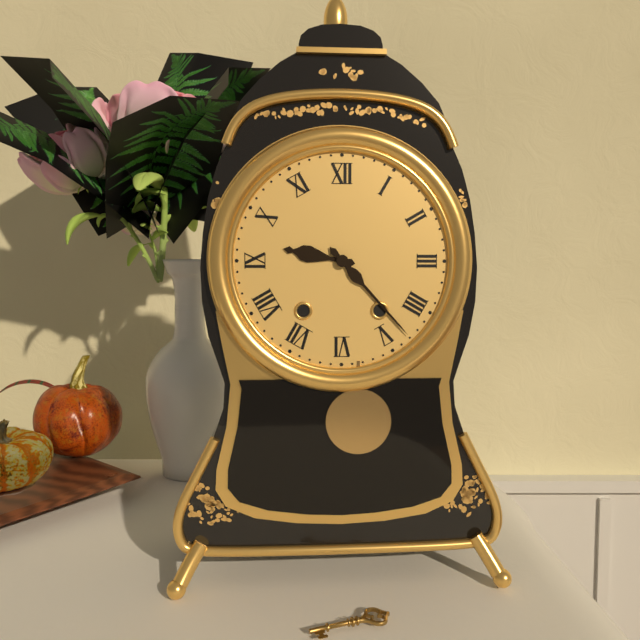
9 h 23 min
